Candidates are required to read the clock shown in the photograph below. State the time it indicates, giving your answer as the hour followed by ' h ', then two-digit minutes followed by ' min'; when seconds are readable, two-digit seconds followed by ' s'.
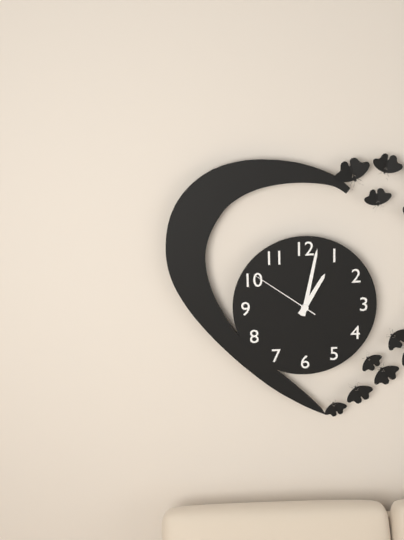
1 h 02 min 51 s
